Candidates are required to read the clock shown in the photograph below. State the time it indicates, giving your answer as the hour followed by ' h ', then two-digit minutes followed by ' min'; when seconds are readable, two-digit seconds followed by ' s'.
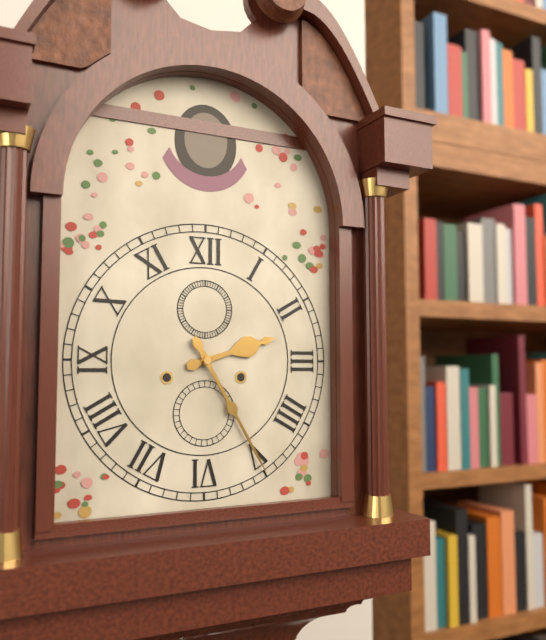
2 h 25 min
